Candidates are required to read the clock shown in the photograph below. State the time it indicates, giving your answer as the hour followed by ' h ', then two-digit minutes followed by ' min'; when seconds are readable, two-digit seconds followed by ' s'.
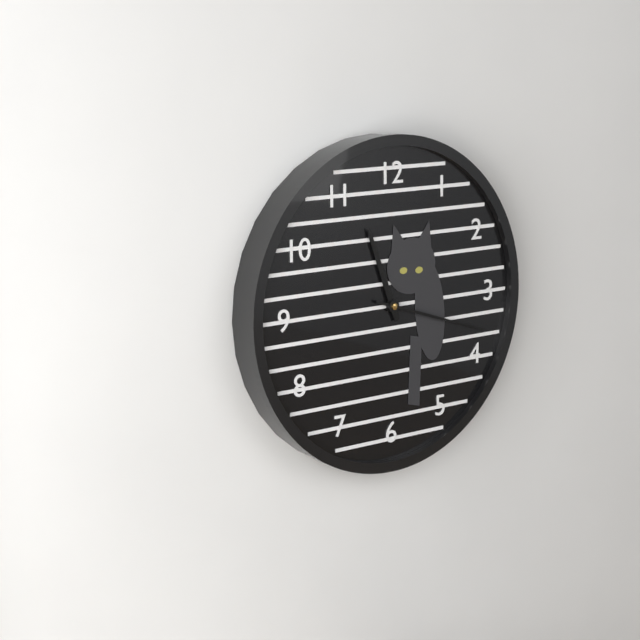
11 h 18 min
